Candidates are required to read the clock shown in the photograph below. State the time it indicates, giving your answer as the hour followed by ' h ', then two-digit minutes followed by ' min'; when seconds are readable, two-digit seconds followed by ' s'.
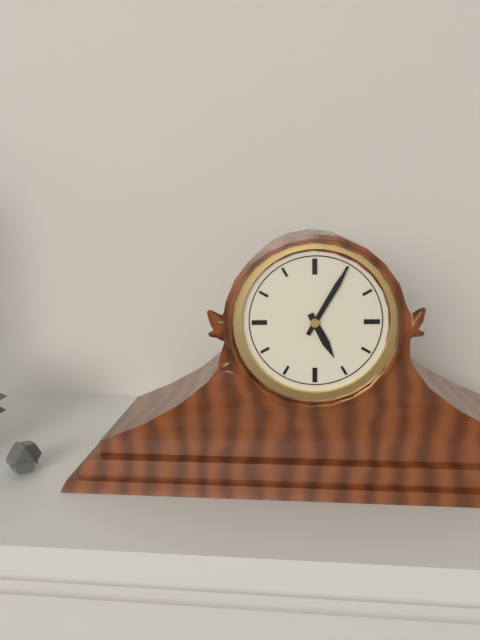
5 h 05 min
